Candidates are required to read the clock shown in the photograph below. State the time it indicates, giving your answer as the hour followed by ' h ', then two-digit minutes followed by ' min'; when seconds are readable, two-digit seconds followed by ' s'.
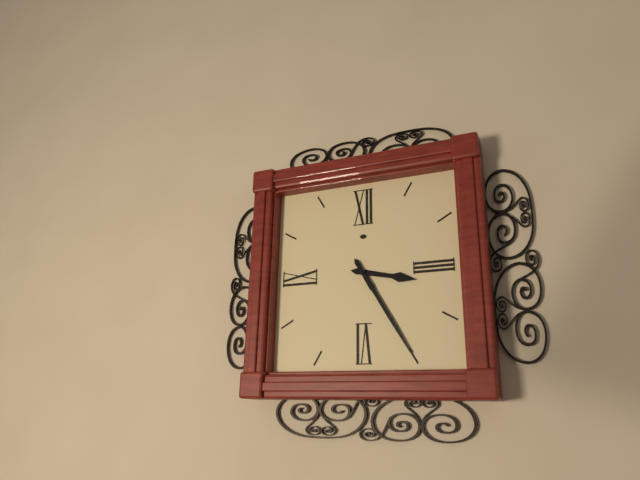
3 h 25 min
